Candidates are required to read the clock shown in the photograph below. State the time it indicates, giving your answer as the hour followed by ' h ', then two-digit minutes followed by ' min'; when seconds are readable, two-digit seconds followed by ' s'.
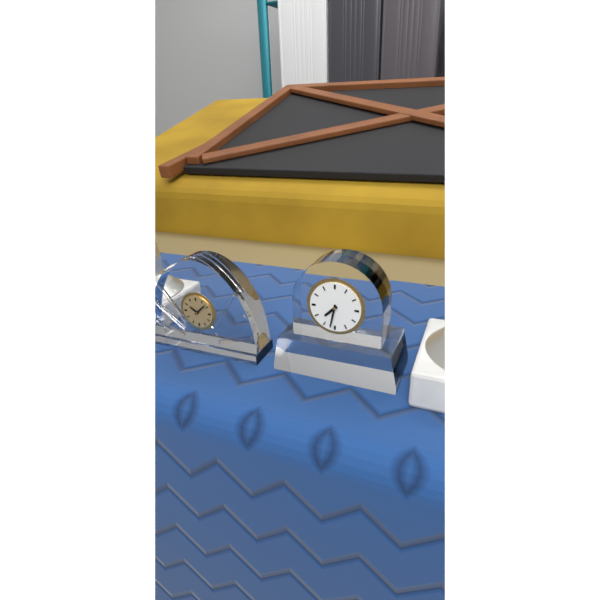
7 h 32 min
